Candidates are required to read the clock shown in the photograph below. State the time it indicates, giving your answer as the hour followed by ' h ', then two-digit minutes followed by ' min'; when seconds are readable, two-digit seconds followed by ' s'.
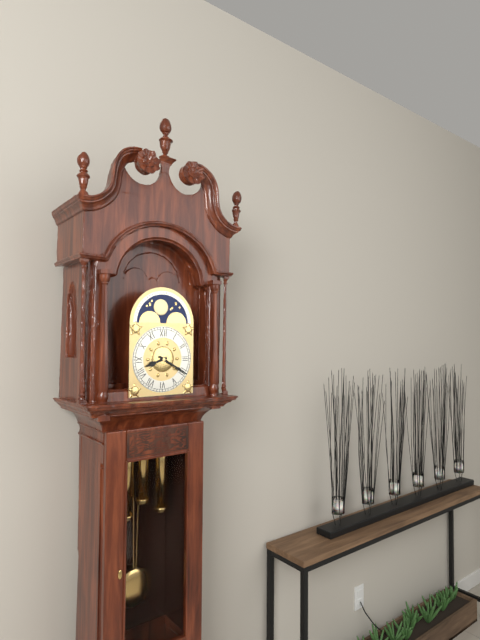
8 h 20 min
